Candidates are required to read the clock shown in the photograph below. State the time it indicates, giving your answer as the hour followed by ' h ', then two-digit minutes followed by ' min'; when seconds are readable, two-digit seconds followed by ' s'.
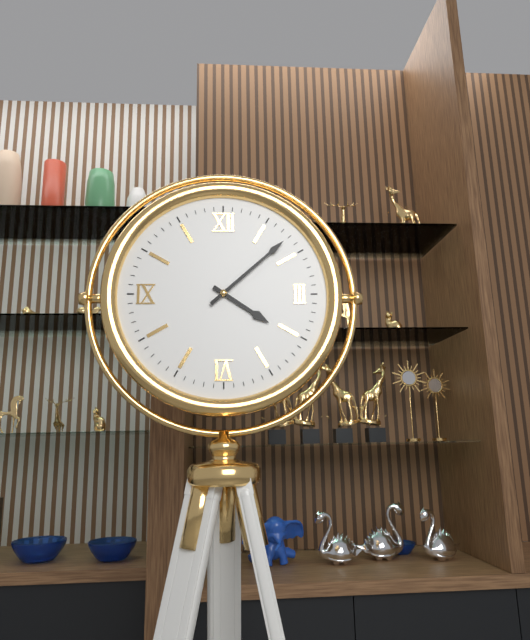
4 h 08 min
